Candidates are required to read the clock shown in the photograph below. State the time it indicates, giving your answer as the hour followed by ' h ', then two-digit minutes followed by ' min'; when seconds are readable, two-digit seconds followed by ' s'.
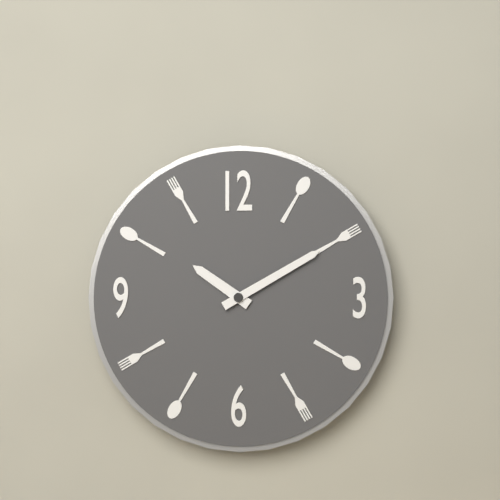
10 h 10 min
